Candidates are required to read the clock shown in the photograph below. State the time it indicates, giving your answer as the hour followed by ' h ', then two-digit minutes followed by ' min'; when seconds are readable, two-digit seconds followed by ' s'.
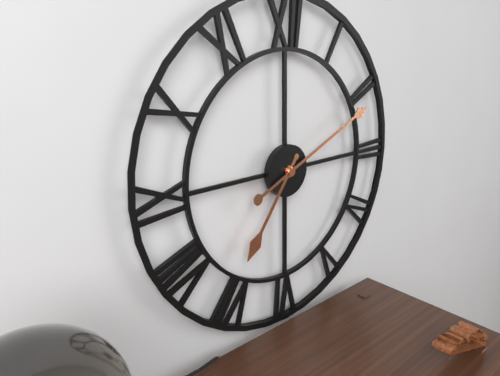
7 h 11 min
